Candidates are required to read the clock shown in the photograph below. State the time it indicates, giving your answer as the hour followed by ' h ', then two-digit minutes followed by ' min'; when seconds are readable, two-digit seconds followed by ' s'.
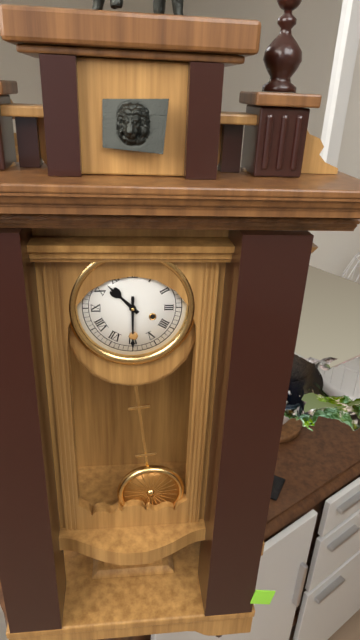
10 h 30 min
